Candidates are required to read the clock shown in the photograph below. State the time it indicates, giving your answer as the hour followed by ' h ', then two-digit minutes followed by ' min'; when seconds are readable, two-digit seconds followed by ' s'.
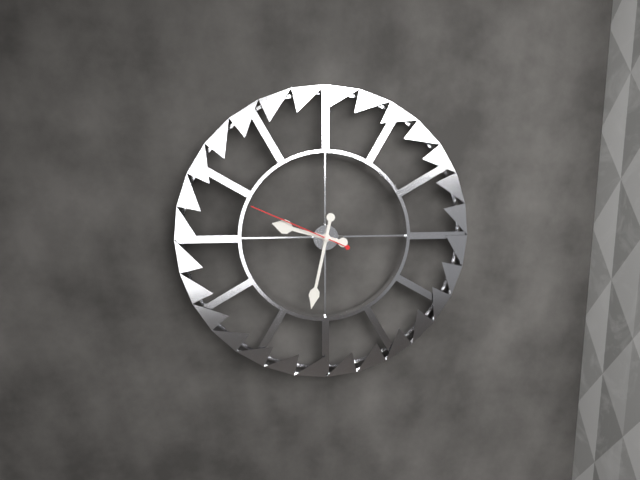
9 h 32 min 49 s
